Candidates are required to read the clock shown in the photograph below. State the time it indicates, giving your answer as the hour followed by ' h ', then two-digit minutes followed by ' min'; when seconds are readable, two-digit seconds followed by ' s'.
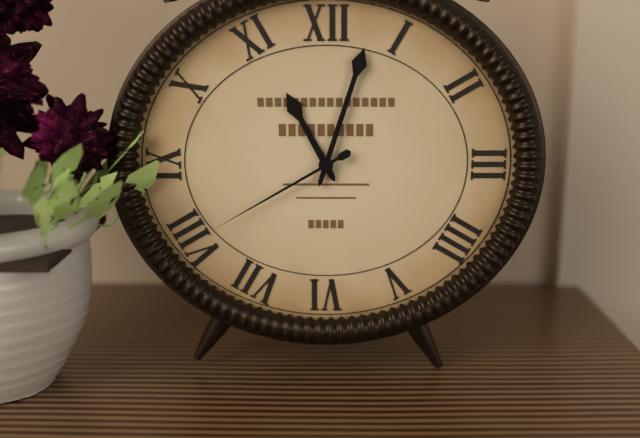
11 h 03 min 40 s
